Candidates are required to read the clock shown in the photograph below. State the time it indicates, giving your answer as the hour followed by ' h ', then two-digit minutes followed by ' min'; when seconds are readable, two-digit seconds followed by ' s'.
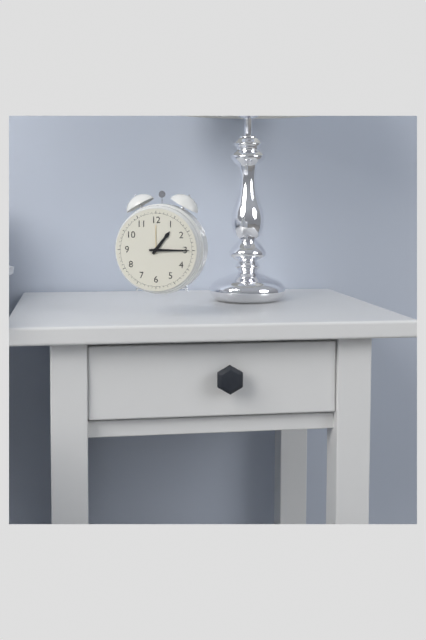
1 h 15 min
